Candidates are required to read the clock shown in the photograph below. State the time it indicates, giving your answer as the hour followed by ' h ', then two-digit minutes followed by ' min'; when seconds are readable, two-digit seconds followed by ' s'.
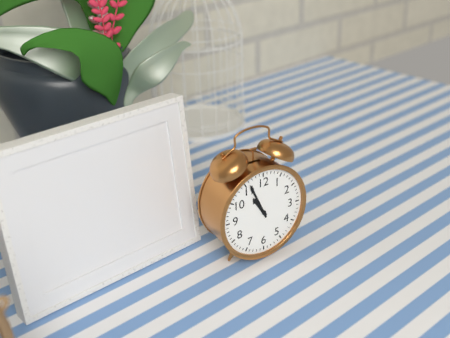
10 h 56 min
